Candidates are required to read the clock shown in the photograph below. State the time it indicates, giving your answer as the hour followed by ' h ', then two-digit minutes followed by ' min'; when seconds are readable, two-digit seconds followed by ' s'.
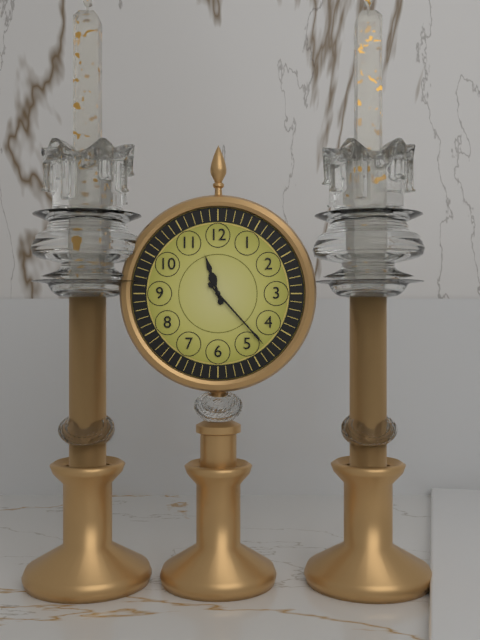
11 h 23 min
